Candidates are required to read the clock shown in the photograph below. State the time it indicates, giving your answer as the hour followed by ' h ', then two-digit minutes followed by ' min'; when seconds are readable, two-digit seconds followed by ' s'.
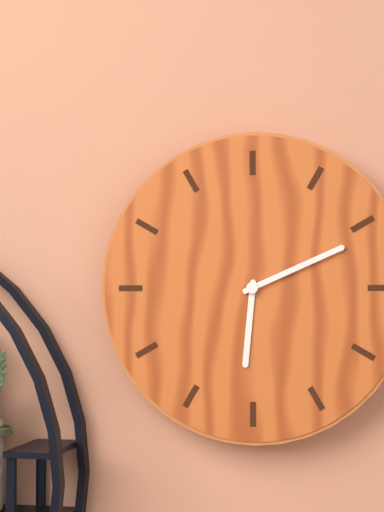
6 h 11 min
